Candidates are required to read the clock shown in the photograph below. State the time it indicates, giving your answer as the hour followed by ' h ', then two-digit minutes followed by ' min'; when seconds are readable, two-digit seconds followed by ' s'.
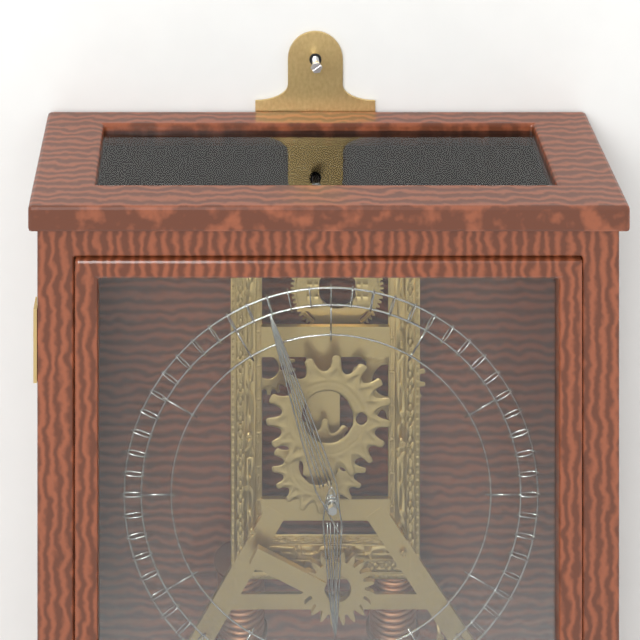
5 h 57 min
